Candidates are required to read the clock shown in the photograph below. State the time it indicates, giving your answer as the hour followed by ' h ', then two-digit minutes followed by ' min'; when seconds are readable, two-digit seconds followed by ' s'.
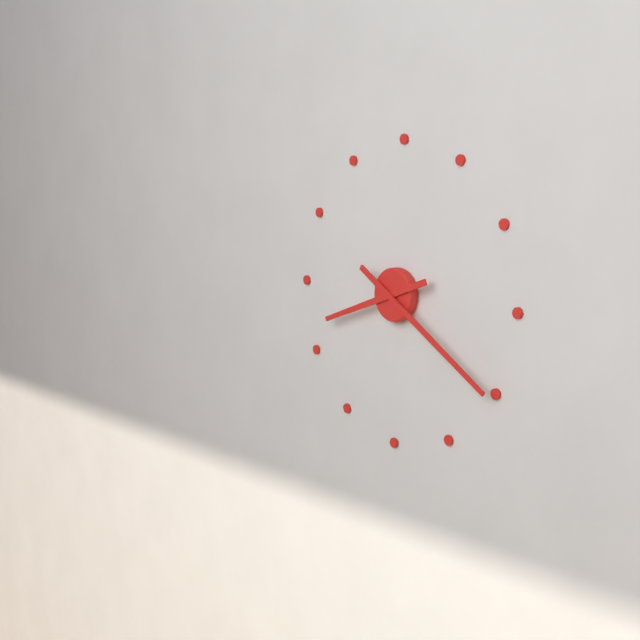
8 h 20 min
